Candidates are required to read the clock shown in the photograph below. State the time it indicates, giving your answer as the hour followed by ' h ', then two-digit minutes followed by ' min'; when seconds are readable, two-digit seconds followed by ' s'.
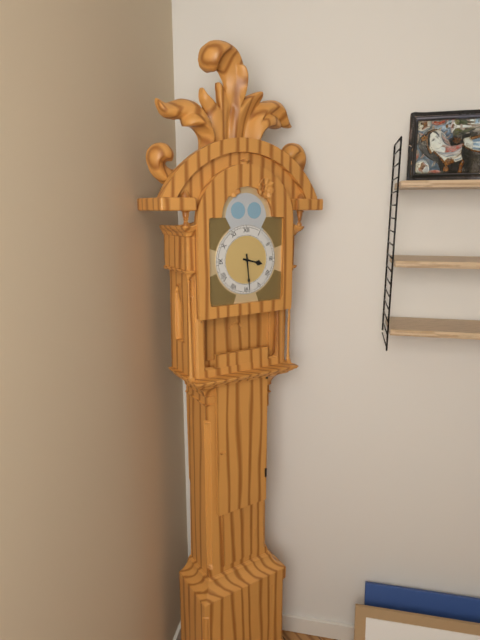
3 h 29 min
